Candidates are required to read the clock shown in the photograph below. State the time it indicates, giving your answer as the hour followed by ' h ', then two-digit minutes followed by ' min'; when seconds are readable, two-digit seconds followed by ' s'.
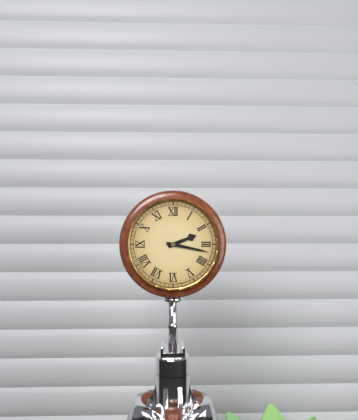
2 h 17 min
